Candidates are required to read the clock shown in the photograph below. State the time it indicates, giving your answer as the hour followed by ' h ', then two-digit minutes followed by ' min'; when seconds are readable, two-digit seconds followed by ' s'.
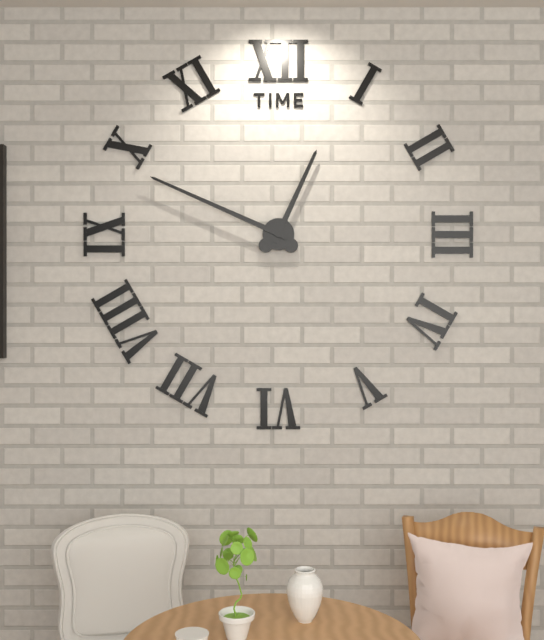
12 h 49 min
